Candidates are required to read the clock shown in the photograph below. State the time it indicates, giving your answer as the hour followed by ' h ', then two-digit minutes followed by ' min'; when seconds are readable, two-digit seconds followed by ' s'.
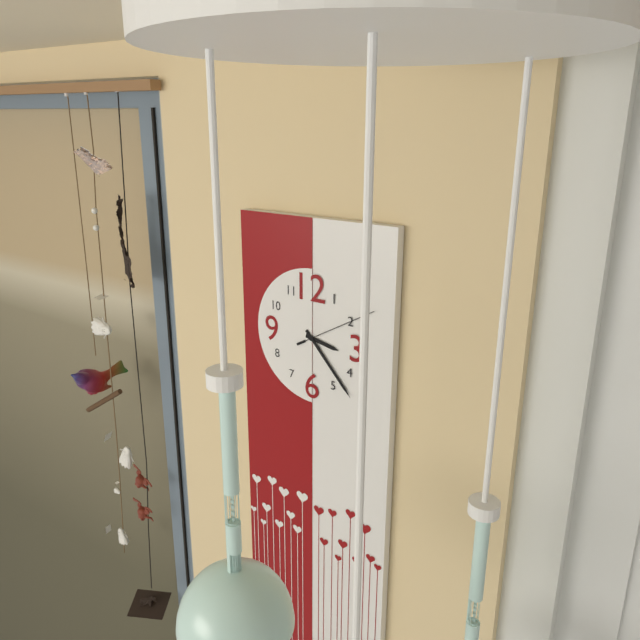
3 h 23 min 10 s
